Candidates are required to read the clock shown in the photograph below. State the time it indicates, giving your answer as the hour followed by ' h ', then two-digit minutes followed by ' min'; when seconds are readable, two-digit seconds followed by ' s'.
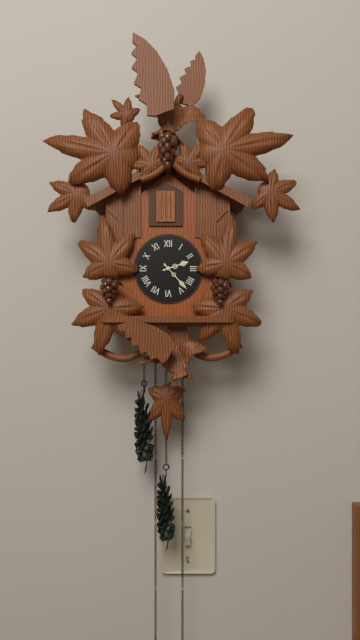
2 h 23 min
